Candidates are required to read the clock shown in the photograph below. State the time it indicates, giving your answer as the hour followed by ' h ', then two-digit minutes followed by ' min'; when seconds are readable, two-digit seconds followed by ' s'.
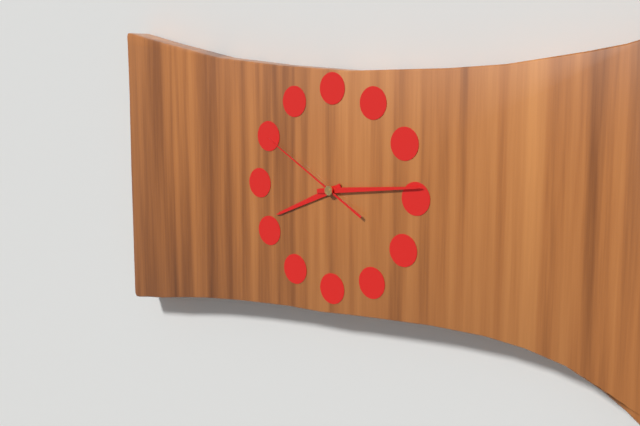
8 h 14 min 50 s
